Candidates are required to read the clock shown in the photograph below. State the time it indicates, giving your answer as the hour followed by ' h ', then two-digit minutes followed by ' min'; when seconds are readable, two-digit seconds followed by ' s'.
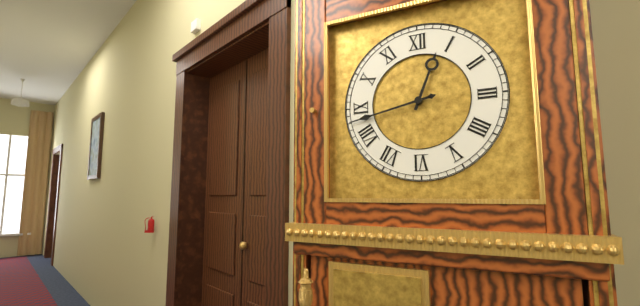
12 h 43 min
